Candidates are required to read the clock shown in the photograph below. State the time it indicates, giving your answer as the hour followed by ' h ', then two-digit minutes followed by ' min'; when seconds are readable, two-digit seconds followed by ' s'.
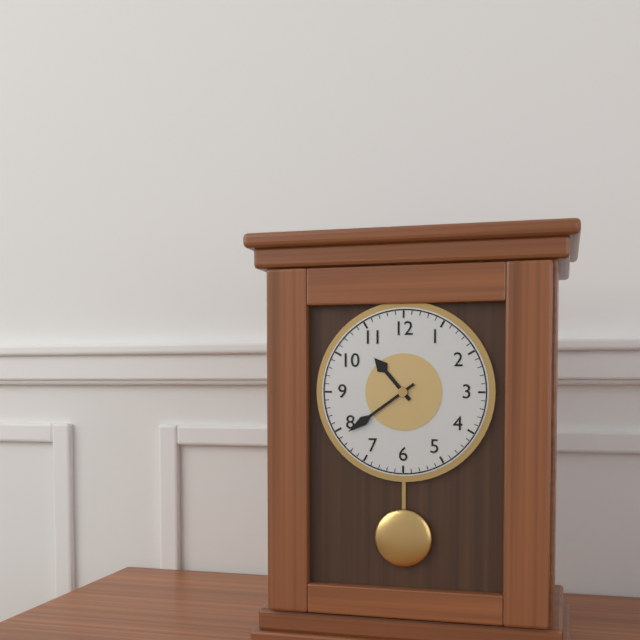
10 h 39 min
